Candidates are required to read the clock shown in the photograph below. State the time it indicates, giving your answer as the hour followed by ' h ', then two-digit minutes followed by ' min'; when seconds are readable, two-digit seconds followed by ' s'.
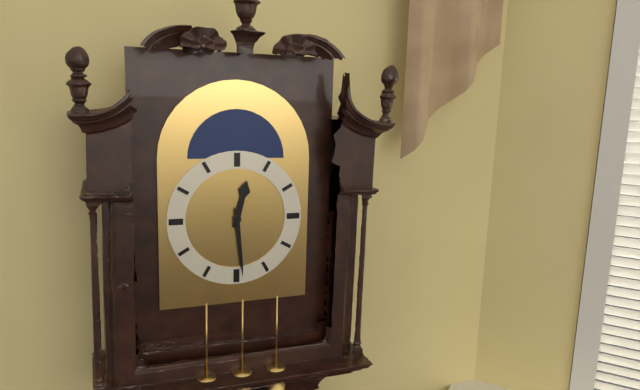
12 h 29 min
